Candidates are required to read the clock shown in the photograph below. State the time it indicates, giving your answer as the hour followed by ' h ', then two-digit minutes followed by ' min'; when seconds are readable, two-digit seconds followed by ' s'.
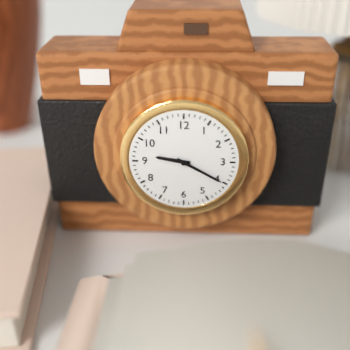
9 h 20 min
